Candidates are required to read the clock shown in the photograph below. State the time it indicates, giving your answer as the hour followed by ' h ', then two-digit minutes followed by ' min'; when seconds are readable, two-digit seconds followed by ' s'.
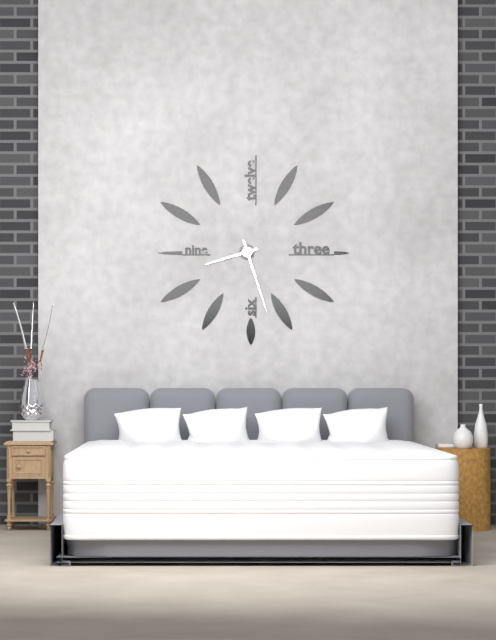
8 h 27 min
